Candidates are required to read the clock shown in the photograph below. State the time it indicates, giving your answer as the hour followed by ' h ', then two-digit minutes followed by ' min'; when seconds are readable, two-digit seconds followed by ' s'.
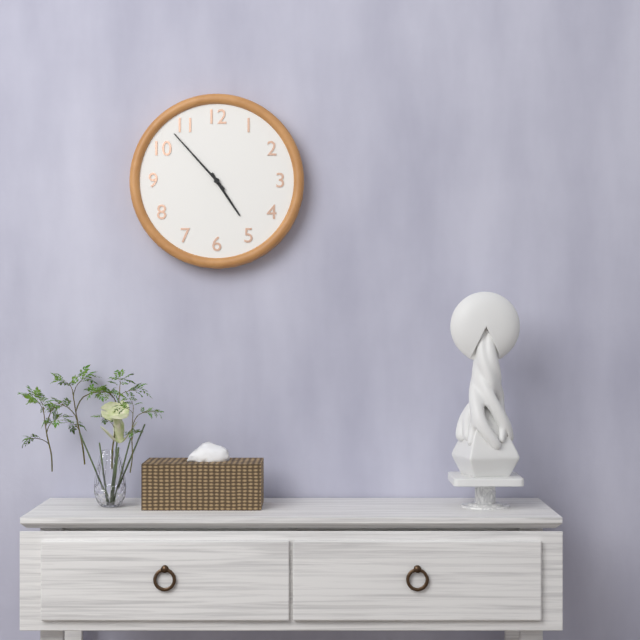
4 h 53 min
